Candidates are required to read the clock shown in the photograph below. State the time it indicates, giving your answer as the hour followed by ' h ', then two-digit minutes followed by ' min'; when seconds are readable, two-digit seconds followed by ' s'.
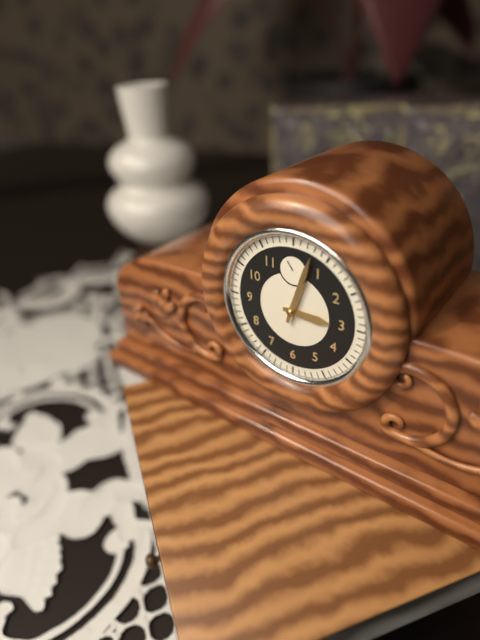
3 h 03 min
